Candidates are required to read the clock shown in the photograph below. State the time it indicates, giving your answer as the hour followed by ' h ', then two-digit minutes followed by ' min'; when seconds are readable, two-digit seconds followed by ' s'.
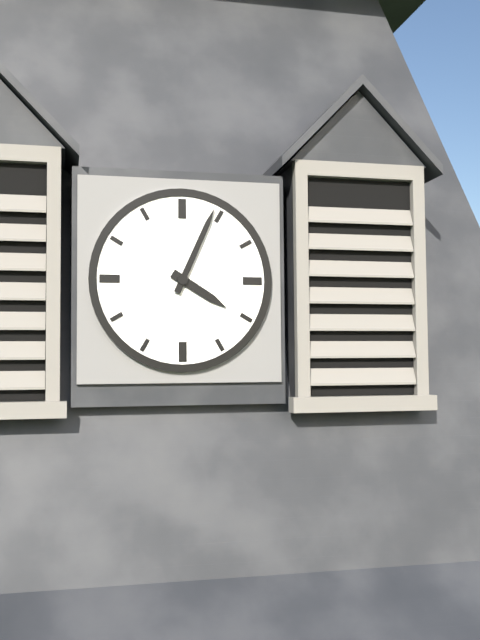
4 h 04 min
